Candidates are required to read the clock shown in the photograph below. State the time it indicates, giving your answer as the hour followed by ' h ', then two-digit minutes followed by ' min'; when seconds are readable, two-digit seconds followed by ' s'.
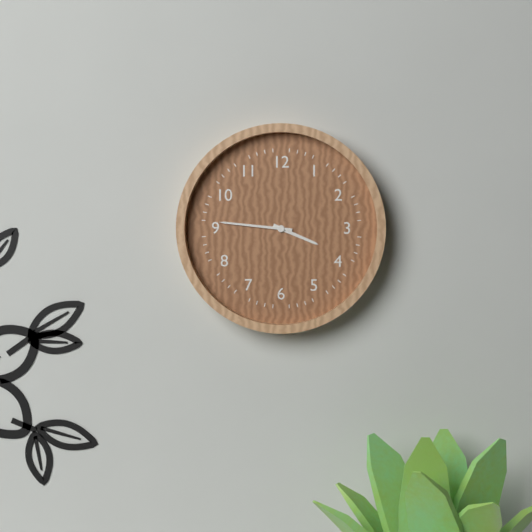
3 h 46 min
